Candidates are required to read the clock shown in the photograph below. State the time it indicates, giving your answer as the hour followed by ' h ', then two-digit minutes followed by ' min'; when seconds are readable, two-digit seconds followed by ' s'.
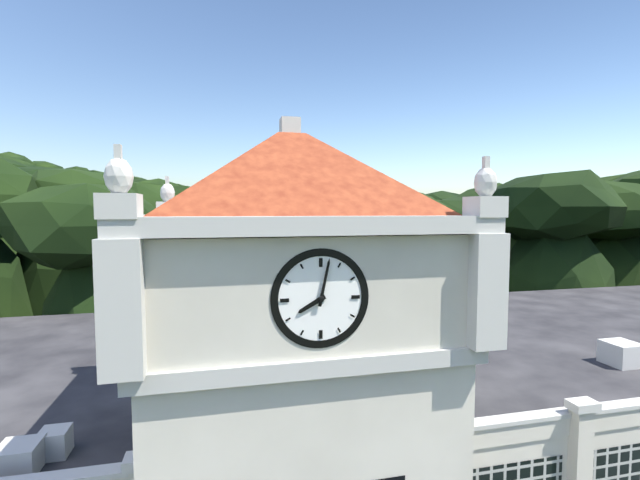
8 h 02 min
